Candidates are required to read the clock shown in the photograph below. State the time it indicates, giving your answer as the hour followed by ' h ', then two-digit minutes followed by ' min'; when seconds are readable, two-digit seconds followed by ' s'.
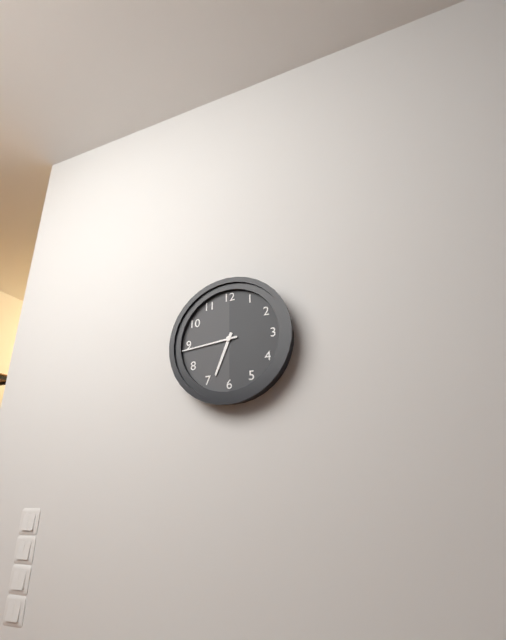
6 h 44 min
